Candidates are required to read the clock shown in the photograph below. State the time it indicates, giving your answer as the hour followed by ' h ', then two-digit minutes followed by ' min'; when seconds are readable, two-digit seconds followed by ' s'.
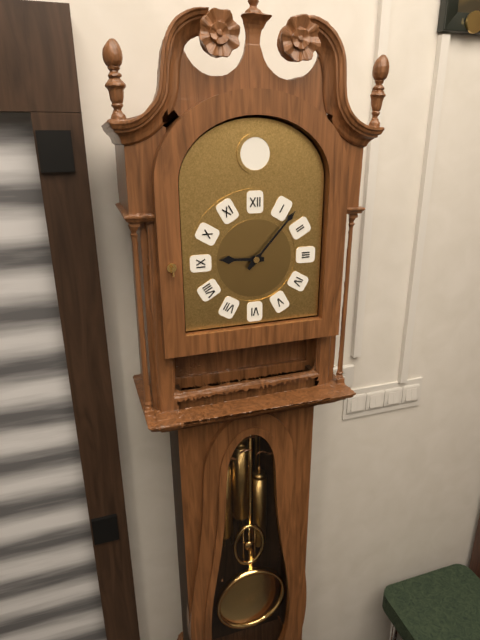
9 h 07 min
